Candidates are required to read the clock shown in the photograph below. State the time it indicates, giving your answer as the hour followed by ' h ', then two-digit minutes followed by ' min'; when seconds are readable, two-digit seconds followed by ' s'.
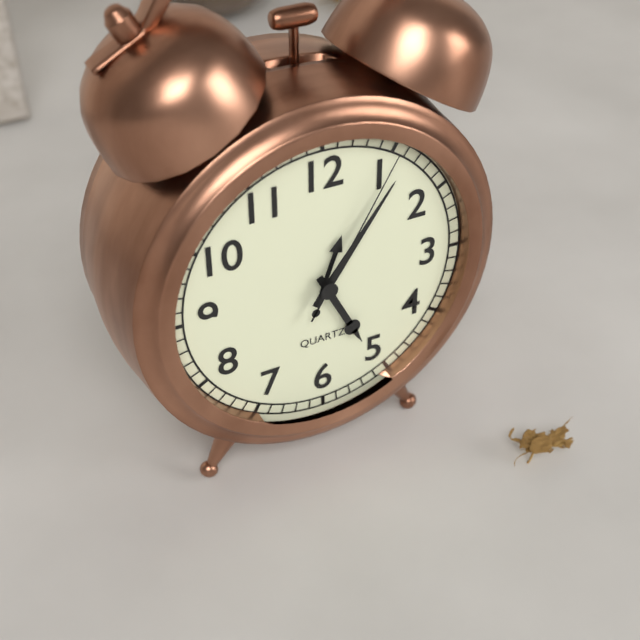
5 h 06 min 05 s
